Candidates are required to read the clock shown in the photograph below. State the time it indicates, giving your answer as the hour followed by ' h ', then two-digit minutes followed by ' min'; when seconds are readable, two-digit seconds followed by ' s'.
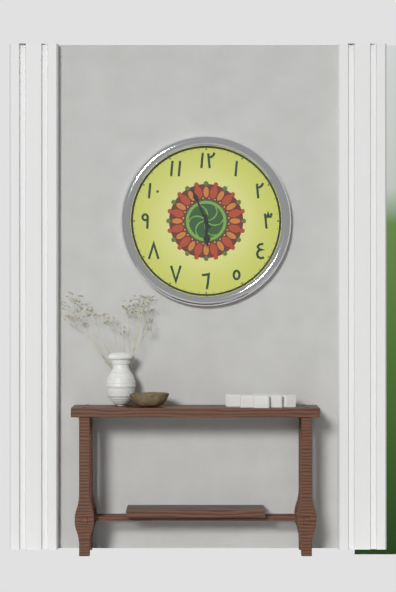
5 h 56 min
